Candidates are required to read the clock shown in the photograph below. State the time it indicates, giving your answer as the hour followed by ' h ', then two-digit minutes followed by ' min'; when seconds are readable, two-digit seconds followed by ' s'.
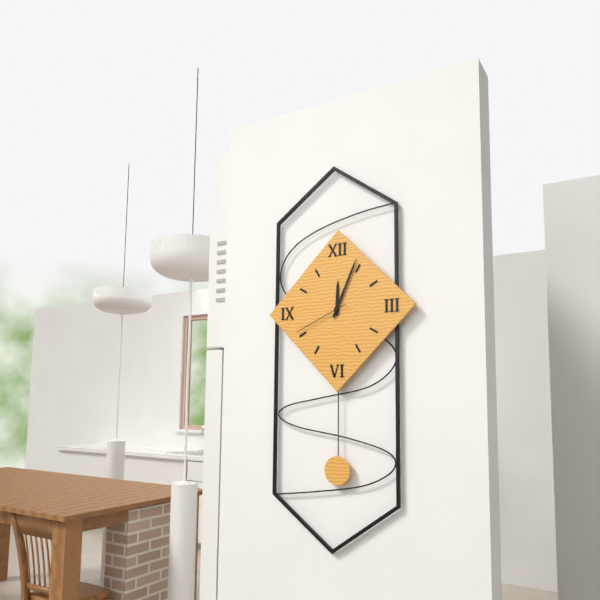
12 h 04 min 41 s
